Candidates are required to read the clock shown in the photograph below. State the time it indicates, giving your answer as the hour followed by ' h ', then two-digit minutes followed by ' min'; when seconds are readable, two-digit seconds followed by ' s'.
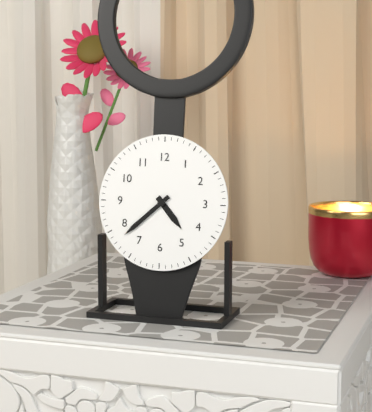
4 h 38 min
